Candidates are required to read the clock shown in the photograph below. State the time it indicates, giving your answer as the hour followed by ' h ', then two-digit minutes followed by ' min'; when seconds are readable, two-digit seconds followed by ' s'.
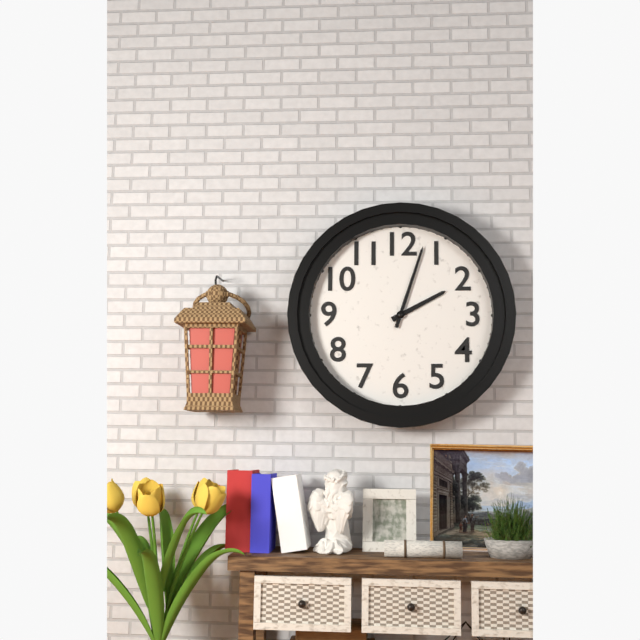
2 h 03 min
